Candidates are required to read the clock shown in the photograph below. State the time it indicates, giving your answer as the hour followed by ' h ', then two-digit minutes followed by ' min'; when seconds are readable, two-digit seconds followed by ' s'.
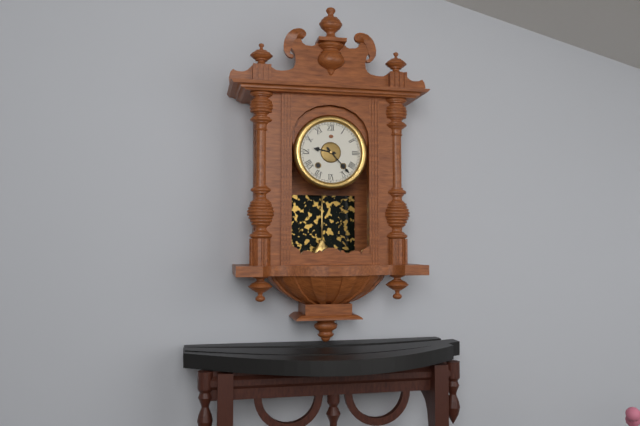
9 h 23 min
